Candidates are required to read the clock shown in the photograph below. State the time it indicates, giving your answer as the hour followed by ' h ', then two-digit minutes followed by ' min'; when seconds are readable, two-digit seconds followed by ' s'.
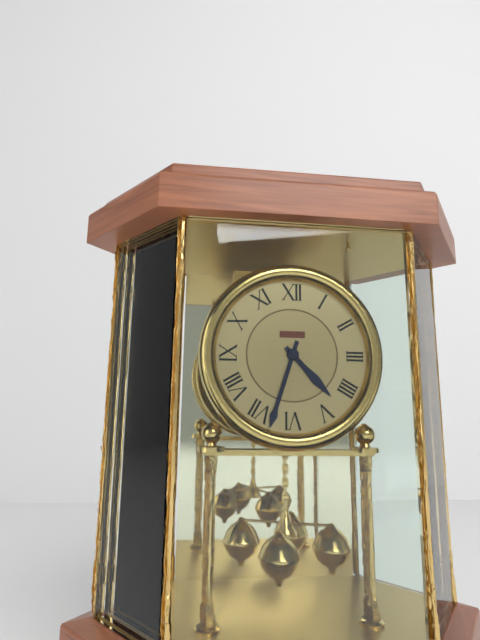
4 h 33 min
